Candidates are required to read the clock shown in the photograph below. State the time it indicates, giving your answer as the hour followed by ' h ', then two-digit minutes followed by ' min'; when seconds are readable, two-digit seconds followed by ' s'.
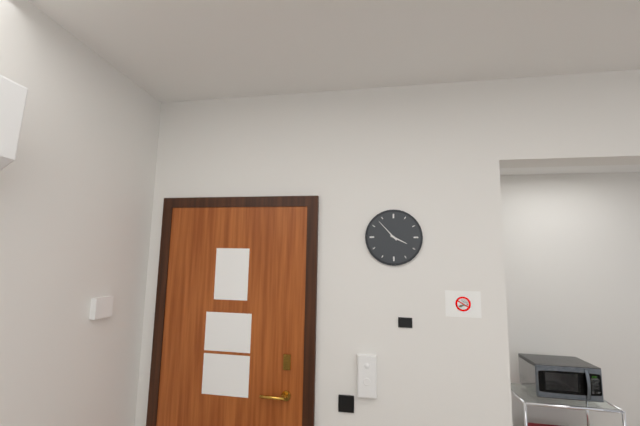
3 h 53 min
